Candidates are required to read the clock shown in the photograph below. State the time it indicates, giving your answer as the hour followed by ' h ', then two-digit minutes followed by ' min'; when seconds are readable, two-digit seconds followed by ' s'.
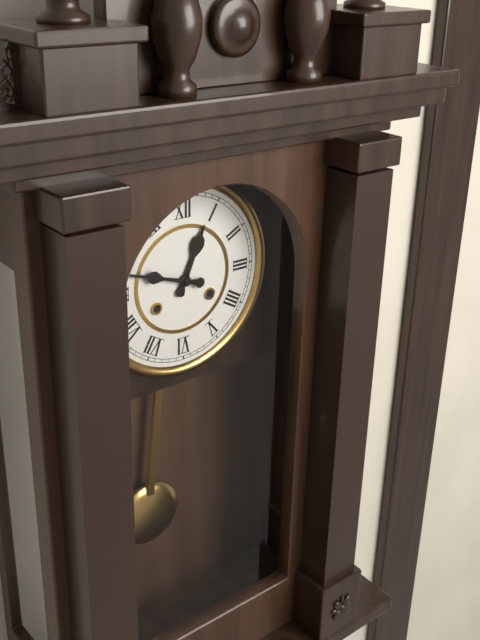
12 h 48 min
